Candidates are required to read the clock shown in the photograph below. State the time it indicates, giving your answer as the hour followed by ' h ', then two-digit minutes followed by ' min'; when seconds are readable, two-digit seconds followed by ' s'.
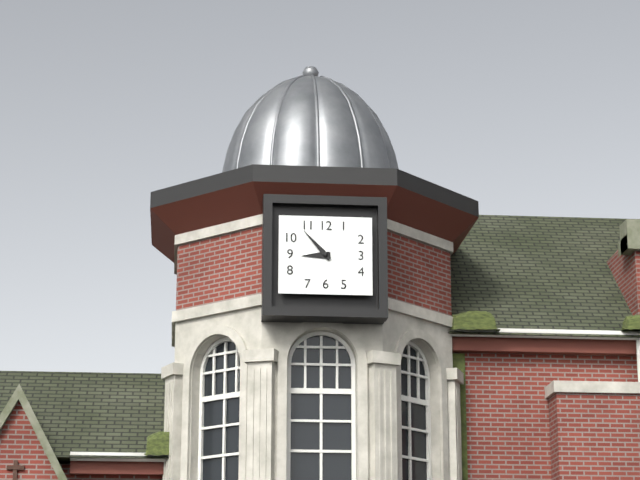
8 h 53 min
